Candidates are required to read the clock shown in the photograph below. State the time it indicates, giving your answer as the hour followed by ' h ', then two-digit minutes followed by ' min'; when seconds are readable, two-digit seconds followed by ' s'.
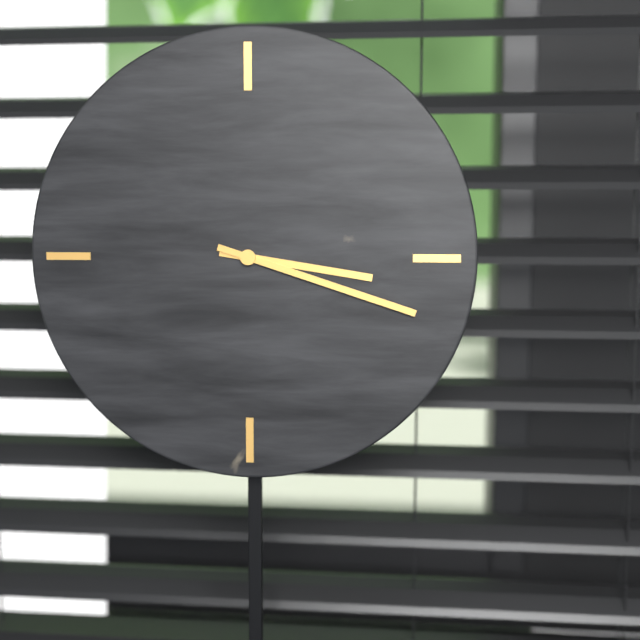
3 h 18 min
